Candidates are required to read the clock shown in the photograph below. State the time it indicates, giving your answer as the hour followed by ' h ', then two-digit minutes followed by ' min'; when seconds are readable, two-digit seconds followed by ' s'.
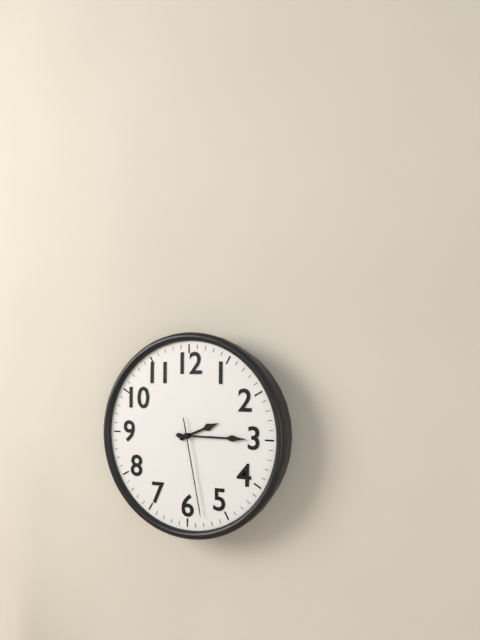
2 h 15 min 28 s
